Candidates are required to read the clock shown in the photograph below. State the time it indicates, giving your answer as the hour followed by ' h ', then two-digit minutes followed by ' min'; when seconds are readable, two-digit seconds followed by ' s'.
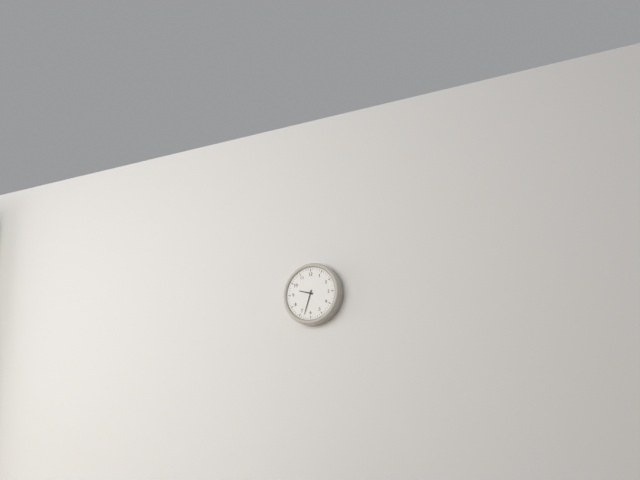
9 h 33 min
